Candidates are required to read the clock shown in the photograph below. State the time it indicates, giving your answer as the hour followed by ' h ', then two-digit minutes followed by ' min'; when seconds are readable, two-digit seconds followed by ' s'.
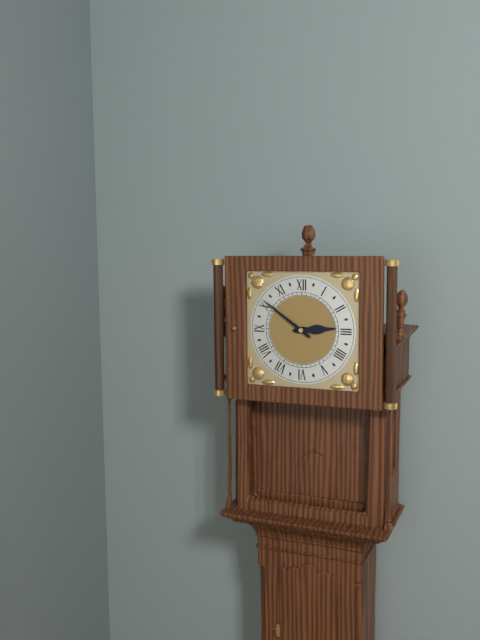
2 h 51 min
